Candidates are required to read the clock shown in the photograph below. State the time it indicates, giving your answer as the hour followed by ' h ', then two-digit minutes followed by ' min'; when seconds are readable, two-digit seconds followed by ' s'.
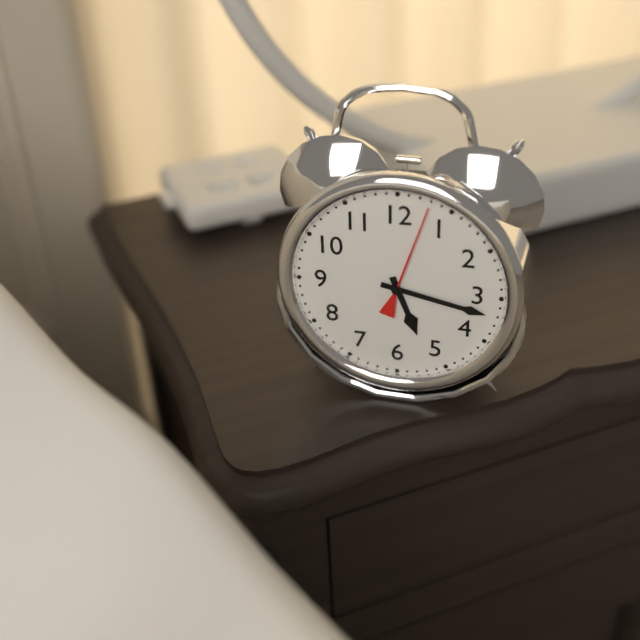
5 h 17 min 03 s
